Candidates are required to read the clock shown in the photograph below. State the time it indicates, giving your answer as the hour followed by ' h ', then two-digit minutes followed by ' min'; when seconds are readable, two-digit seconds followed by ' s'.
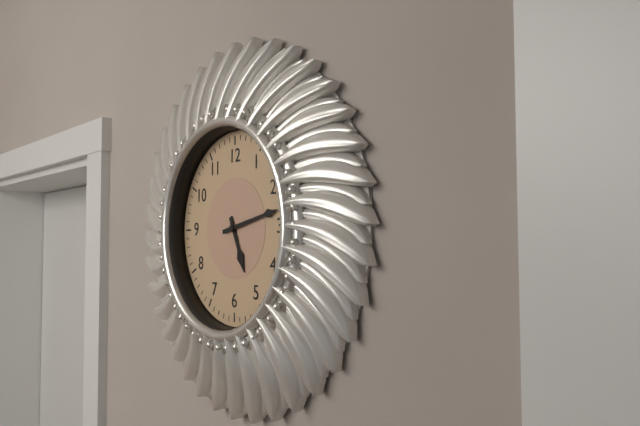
5 h 13 min
